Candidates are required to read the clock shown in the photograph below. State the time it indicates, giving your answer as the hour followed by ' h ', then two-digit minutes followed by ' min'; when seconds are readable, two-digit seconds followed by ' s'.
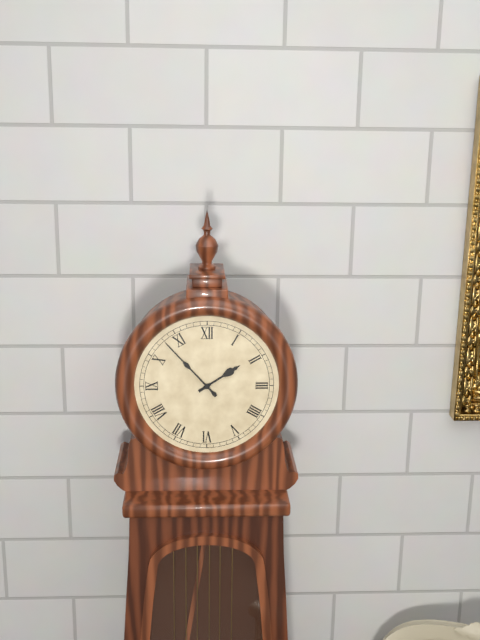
1 h 53 min
